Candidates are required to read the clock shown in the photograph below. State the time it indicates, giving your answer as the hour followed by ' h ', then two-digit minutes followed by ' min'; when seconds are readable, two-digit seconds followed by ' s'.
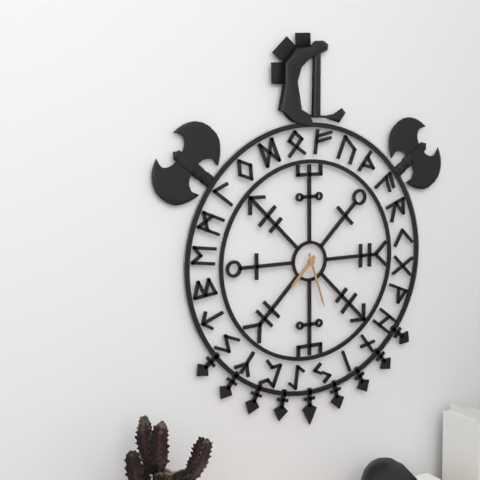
7 h 27 min
